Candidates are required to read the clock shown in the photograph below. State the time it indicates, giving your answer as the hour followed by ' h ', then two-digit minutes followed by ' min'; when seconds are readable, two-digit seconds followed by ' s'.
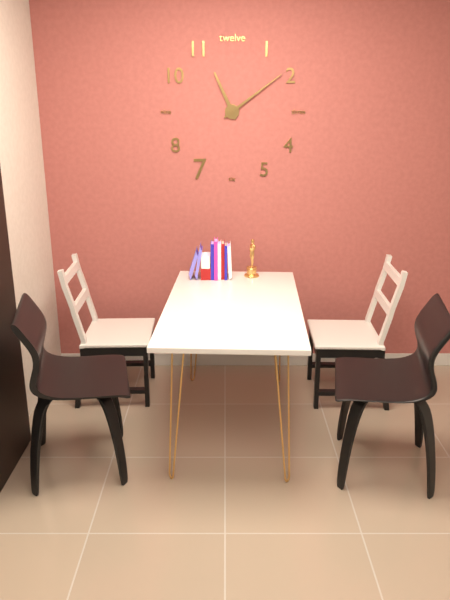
11 h 09 min
